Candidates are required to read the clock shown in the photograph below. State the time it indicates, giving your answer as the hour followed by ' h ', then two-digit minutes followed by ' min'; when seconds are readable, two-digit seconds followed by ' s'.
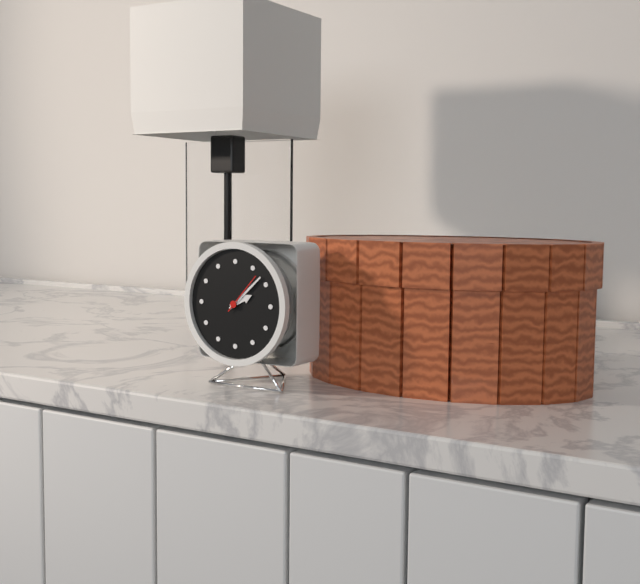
2 h 08 min
